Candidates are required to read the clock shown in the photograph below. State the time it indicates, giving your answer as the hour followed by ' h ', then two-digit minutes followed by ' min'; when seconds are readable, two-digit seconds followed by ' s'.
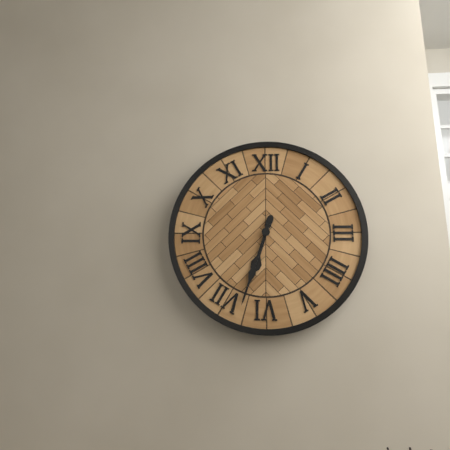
6 h 33 min
